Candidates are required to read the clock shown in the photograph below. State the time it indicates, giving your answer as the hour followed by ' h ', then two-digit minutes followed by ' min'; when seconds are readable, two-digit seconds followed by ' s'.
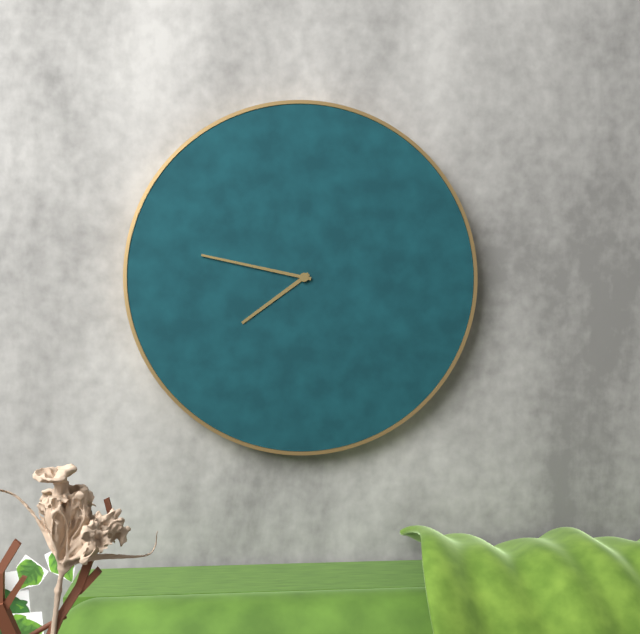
7 h 47 min
